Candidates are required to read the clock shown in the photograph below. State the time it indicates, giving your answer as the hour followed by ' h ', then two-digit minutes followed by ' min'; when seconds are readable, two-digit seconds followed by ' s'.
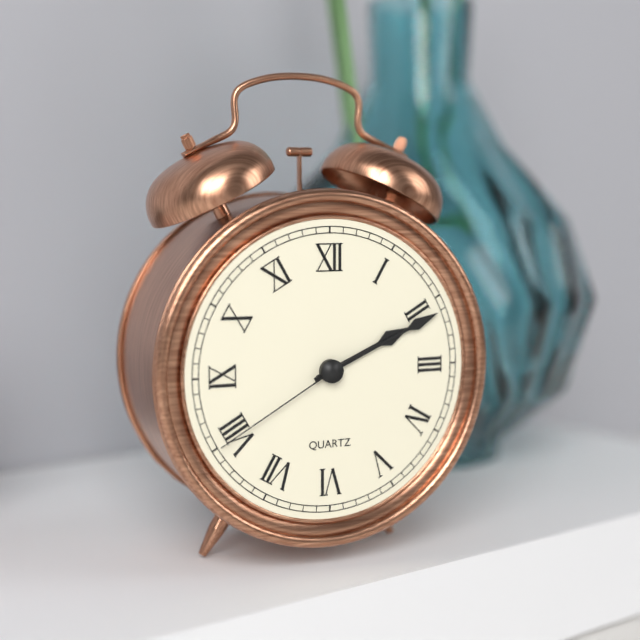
2 h 11 min 40 s
